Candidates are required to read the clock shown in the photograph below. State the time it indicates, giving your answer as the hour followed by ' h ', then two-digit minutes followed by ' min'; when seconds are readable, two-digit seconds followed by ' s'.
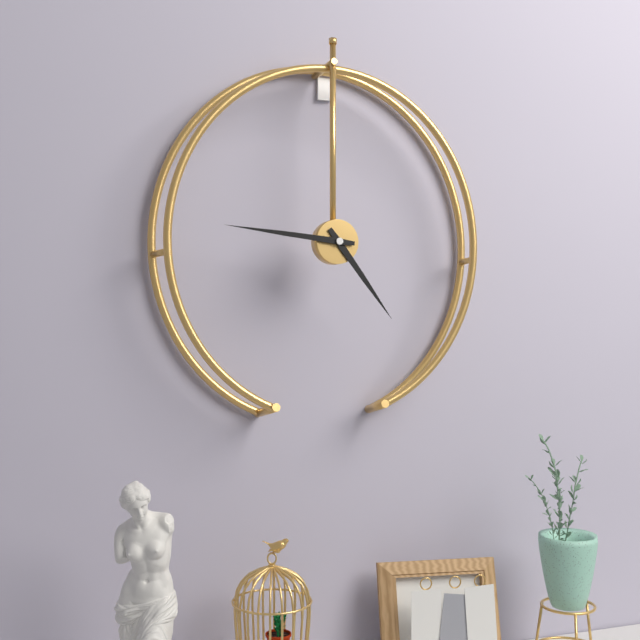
4 h 46 min
